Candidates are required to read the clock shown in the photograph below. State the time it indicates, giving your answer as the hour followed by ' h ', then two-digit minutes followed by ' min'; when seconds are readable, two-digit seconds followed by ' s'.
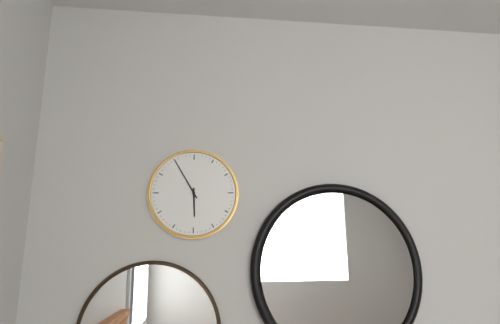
5 h 55 min
